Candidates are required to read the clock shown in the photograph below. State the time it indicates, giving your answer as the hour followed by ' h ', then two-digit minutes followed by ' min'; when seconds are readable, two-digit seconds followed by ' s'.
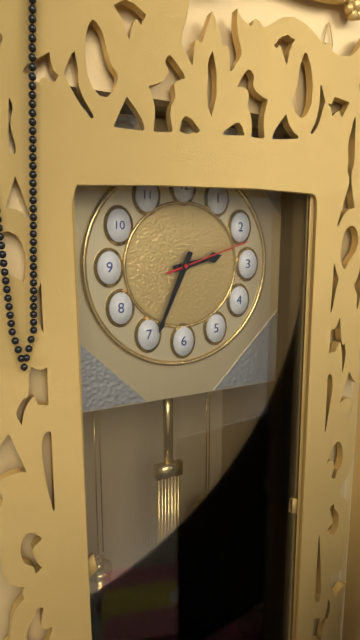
2 h 34 min 12 s
